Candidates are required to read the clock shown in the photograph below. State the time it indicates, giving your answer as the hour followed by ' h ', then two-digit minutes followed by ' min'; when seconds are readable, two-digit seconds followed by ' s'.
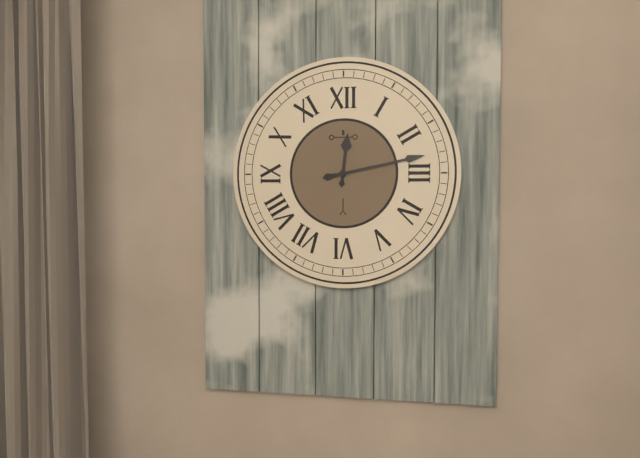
12 h 13 min
